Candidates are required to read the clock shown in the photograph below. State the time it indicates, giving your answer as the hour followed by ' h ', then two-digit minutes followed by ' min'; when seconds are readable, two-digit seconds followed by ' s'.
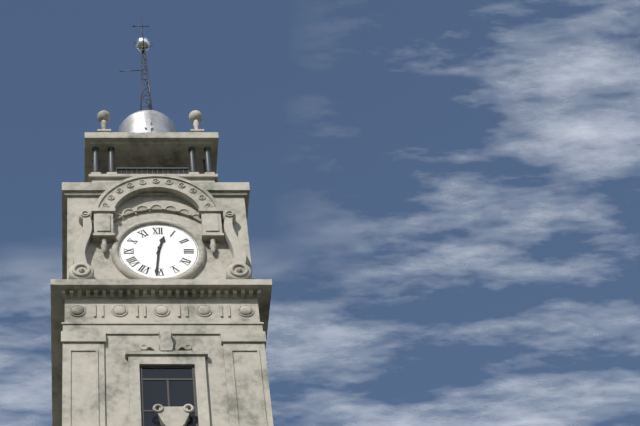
12 h 31 min
